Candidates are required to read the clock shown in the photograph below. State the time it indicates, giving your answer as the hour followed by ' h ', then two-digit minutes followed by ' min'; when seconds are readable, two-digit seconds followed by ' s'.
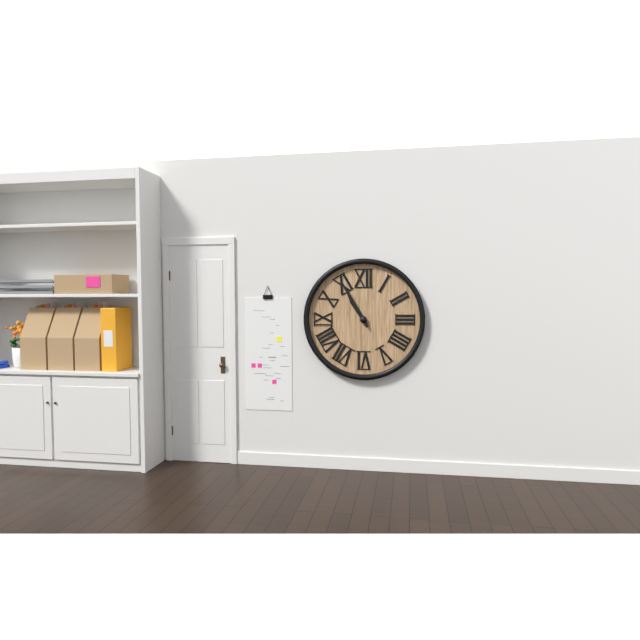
10 h 55 min
